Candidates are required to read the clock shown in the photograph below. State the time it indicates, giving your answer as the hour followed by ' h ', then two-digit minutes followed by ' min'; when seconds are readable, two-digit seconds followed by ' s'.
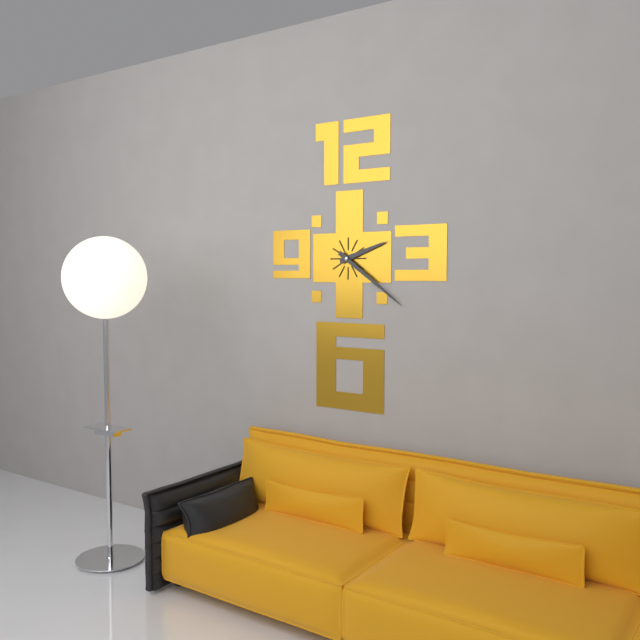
2 h 21 min
